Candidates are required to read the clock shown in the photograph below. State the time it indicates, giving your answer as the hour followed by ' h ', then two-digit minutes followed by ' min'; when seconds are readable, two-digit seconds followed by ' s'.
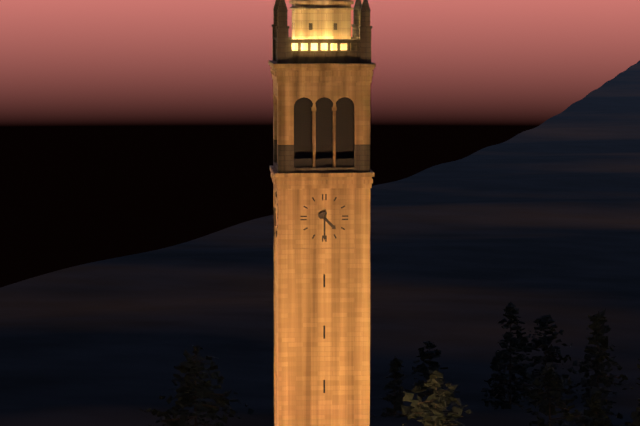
4 h 30 min
